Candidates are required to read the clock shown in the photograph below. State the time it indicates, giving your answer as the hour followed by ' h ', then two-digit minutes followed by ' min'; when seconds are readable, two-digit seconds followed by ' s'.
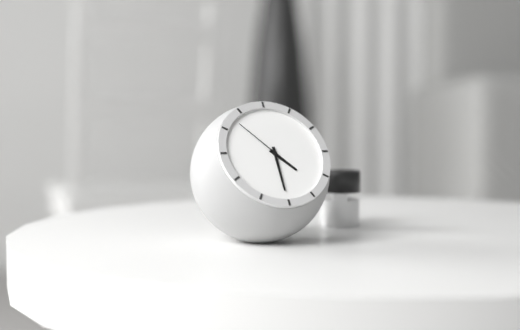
4 h 30 min 53 s
